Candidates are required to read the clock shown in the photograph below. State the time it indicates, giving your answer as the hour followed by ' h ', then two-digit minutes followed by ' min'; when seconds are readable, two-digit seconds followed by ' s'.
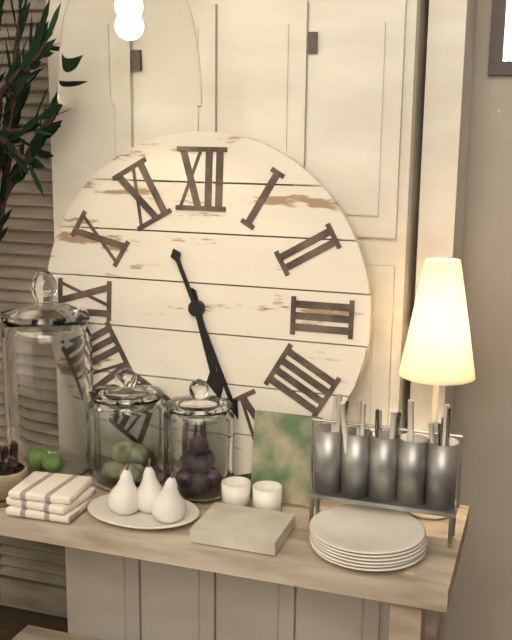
5 h 26 min
